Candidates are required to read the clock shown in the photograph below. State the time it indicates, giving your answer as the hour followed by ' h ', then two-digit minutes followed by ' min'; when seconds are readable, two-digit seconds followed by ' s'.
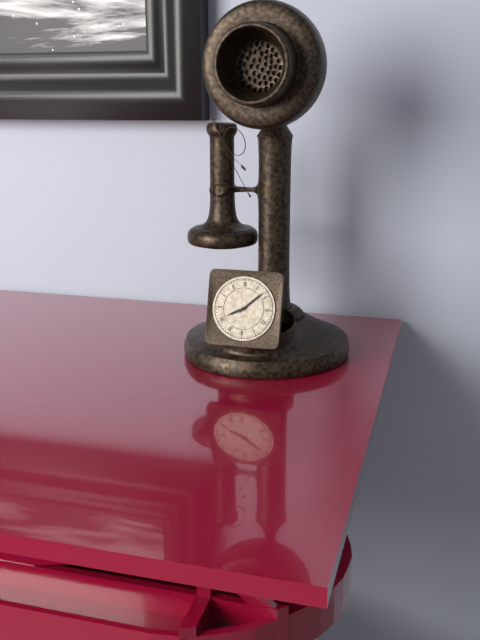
8 h 08 min
